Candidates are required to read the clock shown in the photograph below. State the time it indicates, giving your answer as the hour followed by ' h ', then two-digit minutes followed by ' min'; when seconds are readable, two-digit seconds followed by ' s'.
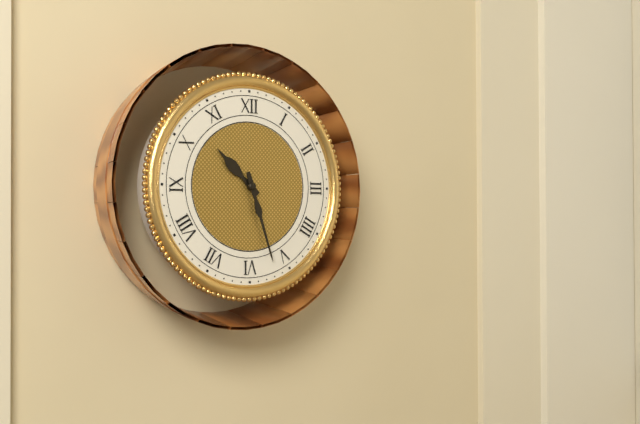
10 h 27 min
